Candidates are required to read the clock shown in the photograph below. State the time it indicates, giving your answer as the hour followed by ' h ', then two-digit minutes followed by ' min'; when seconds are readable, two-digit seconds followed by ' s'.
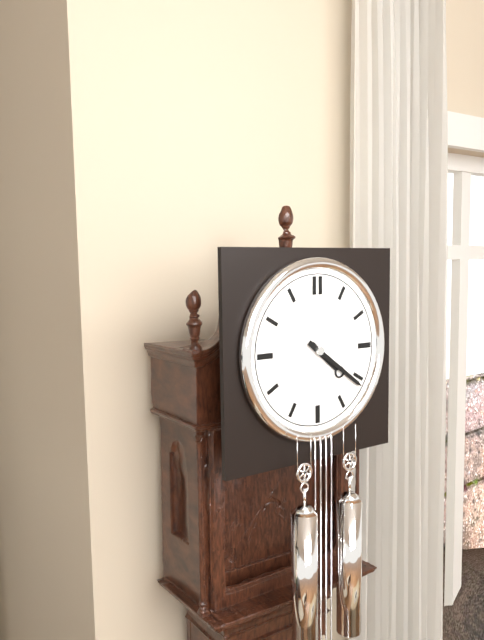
4 h 21 min
